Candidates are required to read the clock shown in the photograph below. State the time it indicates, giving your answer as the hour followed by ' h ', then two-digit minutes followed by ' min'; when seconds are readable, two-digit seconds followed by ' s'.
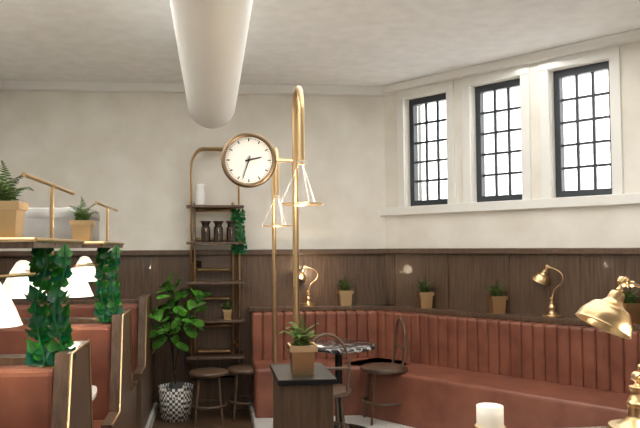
2 h 33 min
